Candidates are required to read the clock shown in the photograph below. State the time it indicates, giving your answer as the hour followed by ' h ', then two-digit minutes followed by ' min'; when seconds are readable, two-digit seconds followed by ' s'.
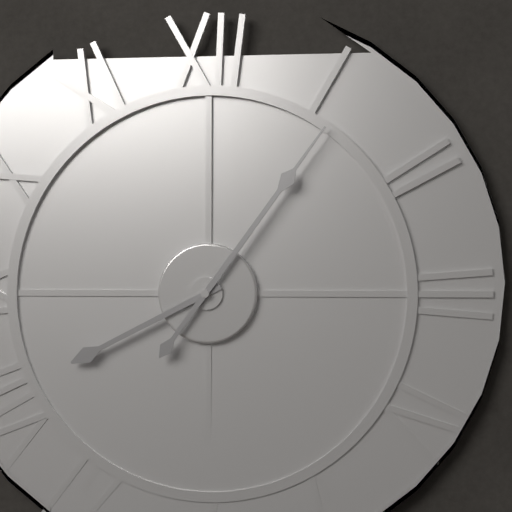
8 h 06 min
